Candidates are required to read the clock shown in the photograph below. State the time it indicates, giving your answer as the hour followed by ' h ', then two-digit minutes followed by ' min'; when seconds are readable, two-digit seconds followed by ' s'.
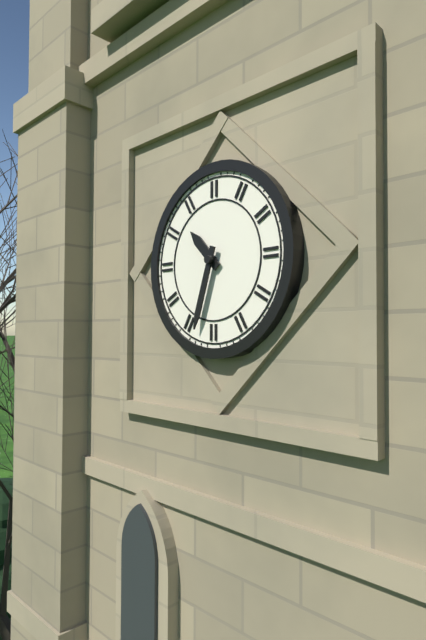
10 h 33 min
